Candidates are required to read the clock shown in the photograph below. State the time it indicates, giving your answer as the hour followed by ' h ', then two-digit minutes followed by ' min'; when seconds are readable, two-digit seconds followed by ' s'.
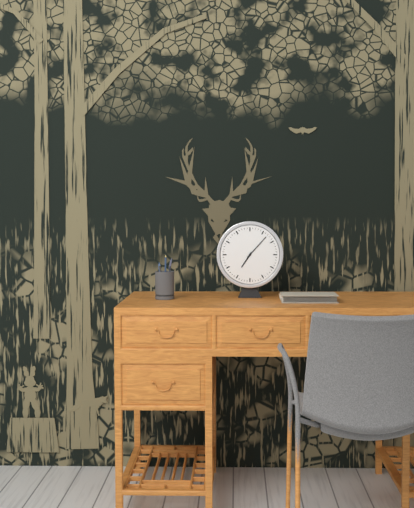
7 h 07 min
